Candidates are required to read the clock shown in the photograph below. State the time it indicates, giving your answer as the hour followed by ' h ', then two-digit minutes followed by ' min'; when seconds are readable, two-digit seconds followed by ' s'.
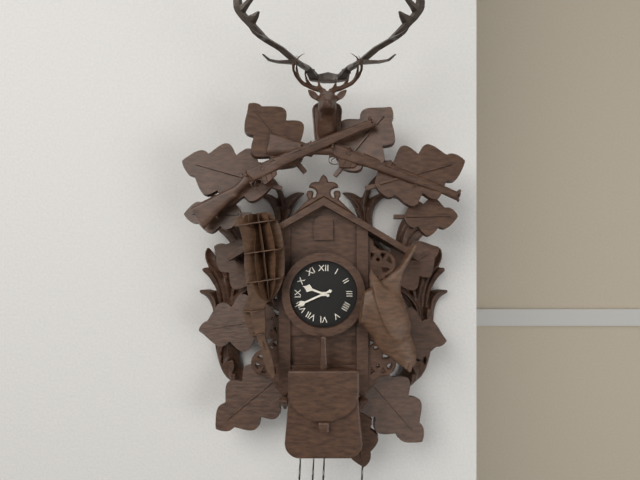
9 h 41 min
